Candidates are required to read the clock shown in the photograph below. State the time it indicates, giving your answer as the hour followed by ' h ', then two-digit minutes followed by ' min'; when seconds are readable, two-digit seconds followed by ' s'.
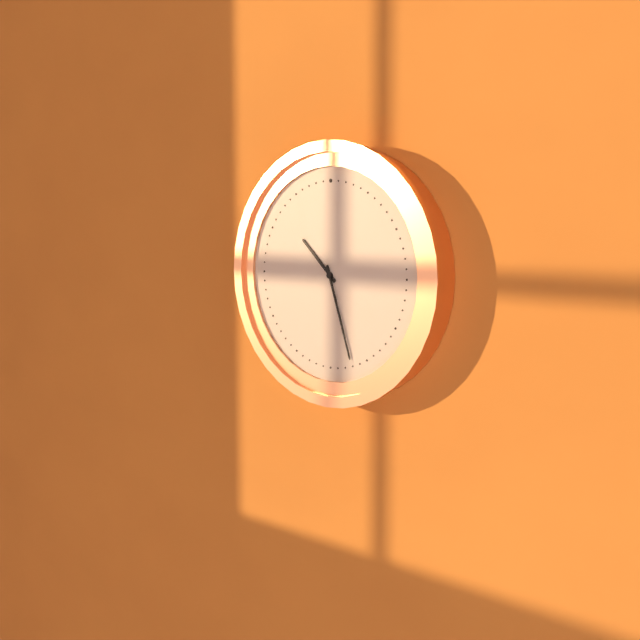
10 h 27 min
